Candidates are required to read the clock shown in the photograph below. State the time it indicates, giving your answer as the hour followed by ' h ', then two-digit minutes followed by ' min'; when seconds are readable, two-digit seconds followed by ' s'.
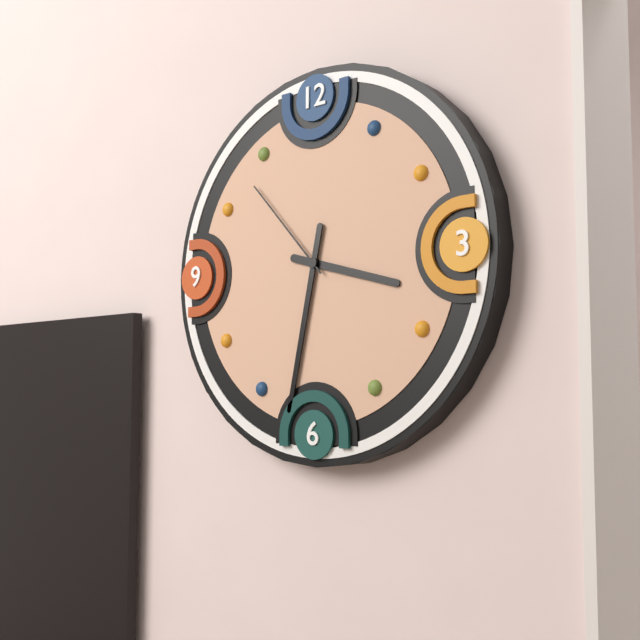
3 h 32 min 53 s
